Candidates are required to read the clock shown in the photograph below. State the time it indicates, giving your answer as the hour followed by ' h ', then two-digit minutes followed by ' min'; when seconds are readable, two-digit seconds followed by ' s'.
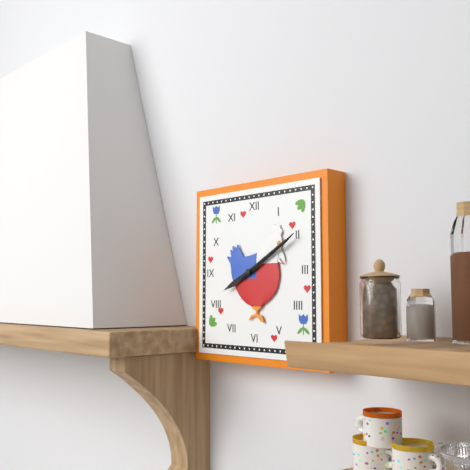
8 h 10 min 10 s
